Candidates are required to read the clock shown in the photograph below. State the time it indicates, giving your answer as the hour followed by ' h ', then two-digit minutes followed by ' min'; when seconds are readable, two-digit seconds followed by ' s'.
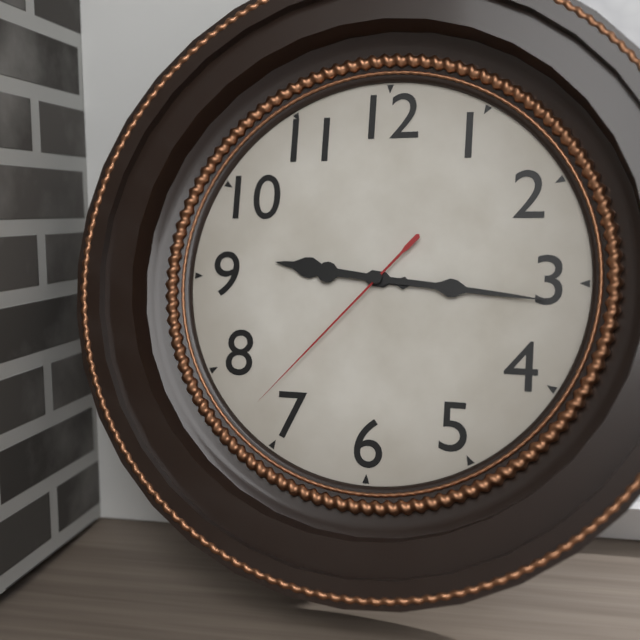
9 h 16 min 37 s
